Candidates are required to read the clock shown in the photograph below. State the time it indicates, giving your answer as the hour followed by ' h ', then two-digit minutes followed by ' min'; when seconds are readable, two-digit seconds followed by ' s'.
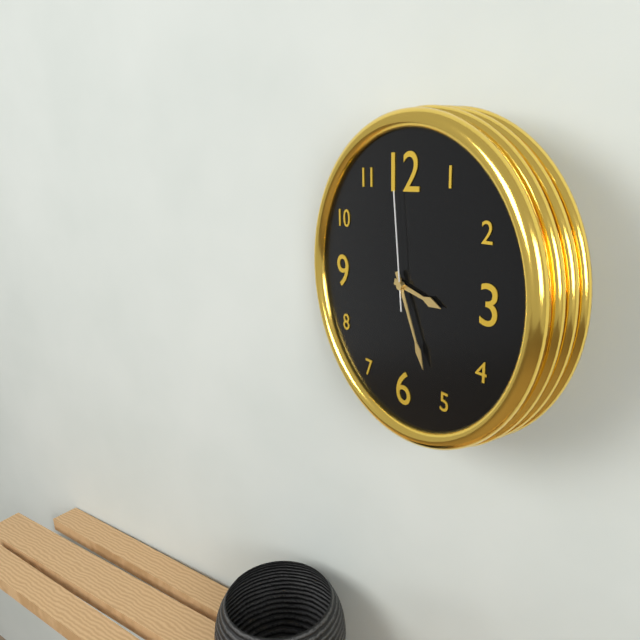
3 h 26 min 59 s
